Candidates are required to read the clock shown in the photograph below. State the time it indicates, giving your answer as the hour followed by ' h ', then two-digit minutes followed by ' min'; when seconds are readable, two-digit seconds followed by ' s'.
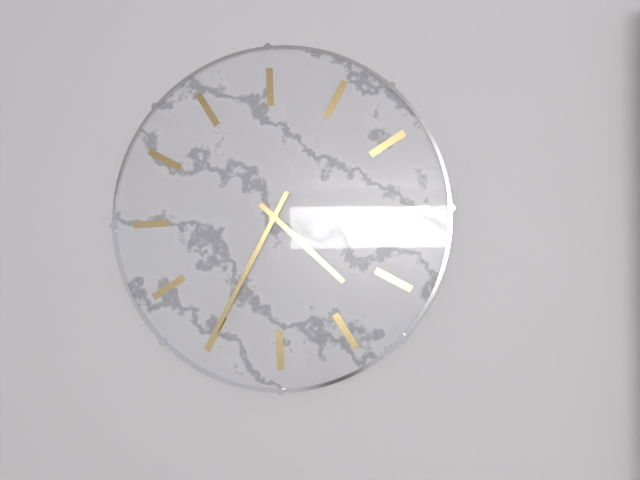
3 h 30 min
